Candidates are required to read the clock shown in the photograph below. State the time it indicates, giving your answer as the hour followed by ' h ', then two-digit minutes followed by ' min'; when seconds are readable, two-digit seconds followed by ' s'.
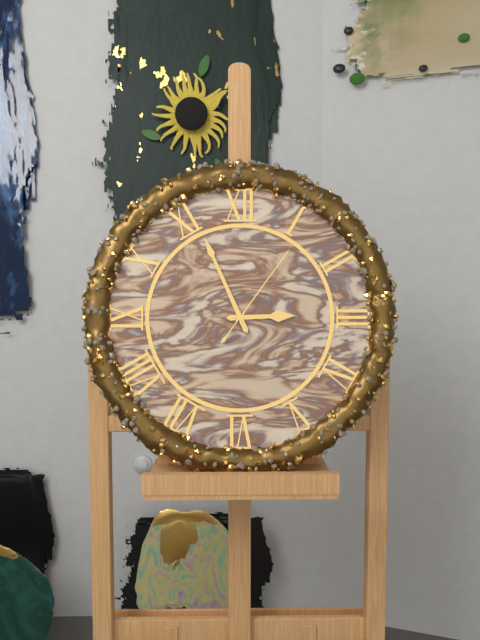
2 h 56 min 06 s
